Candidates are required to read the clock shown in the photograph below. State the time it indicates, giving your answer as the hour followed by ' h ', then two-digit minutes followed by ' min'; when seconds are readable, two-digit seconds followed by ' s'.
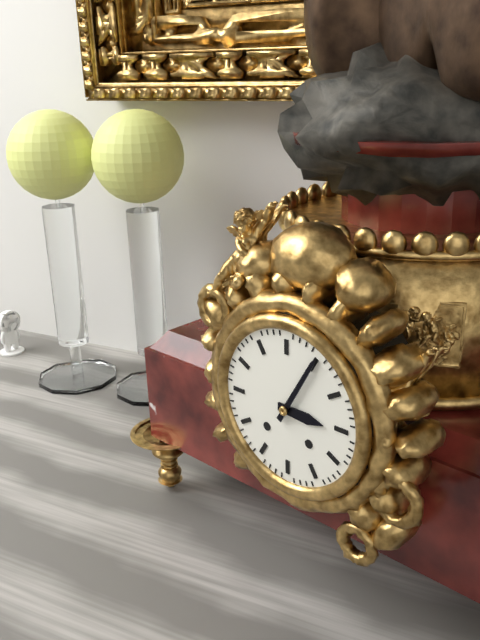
3 h 05 min
